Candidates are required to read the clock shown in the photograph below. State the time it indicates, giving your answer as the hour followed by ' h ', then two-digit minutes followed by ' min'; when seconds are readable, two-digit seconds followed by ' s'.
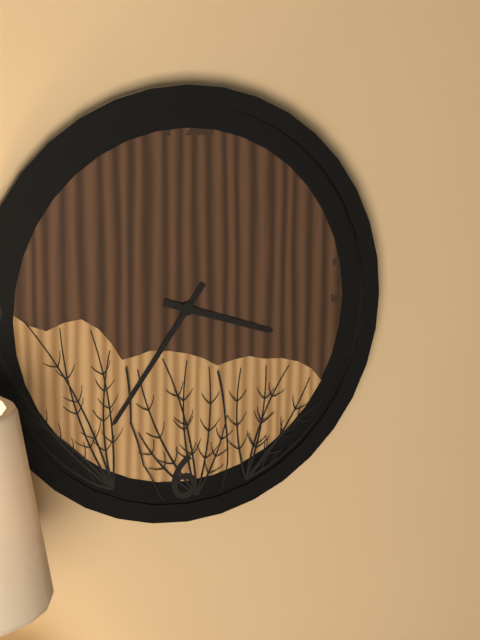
3 h 36 min
